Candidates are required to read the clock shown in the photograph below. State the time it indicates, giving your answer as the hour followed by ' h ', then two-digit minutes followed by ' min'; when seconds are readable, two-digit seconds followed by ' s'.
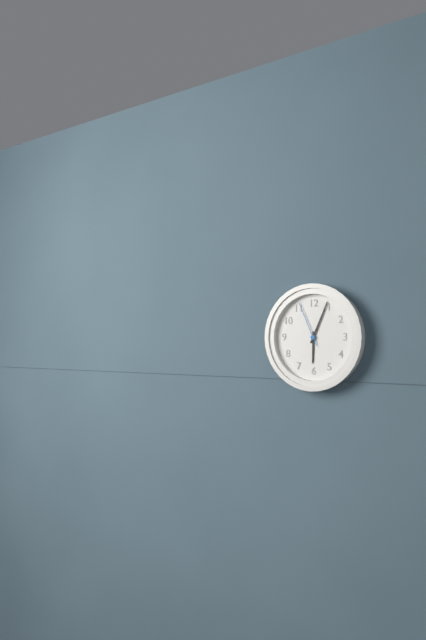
6 h 04 min
